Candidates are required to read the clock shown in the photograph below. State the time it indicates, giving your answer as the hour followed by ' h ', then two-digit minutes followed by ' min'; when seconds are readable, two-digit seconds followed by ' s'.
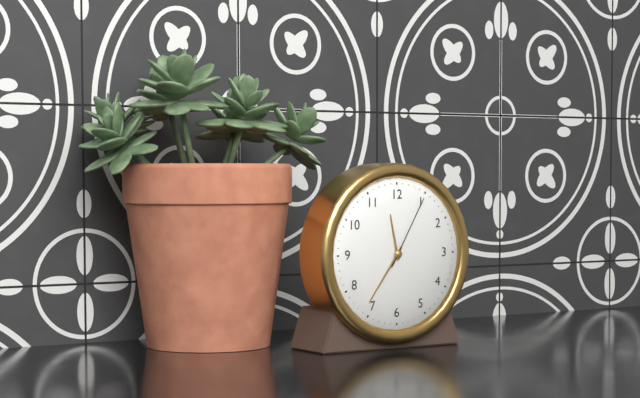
11 h 36 min 05 s
